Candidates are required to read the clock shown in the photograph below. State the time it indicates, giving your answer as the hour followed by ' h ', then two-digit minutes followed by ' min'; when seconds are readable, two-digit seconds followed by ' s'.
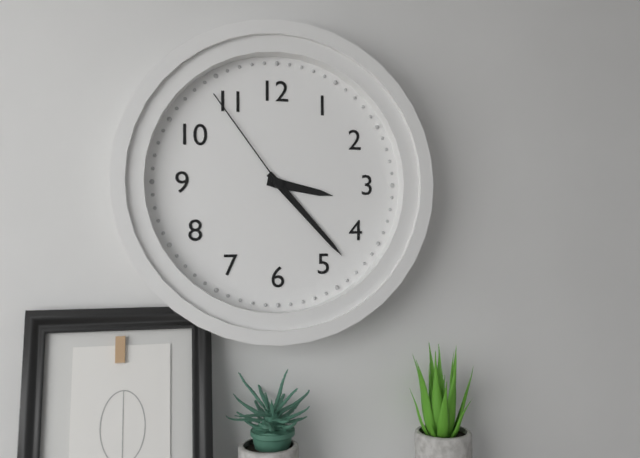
3 h 23 min 54 s
